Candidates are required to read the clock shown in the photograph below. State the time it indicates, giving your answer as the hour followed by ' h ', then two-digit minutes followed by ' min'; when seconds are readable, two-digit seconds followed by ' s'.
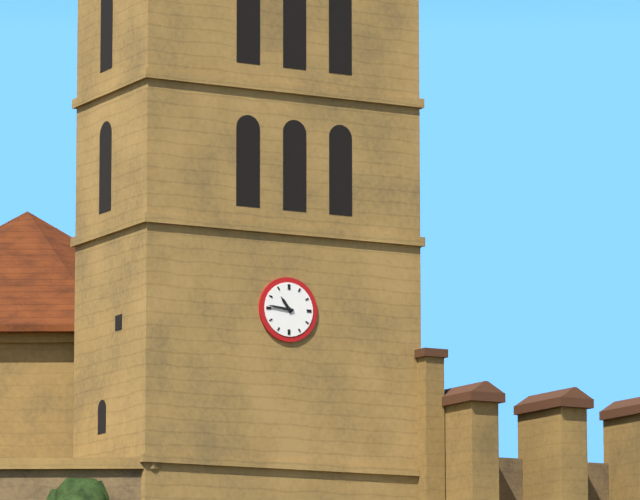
10 h 46 min
